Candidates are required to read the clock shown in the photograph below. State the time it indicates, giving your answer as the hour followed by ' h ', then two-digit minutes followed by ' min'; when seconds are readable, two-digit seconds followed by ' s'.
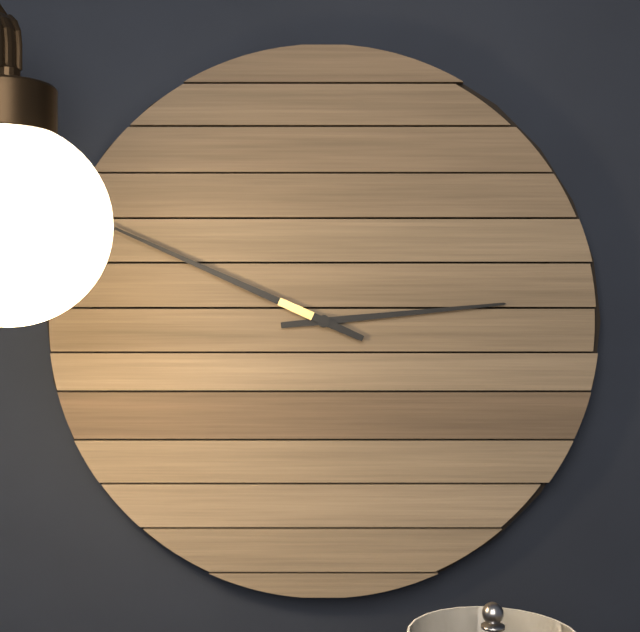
2 h 49 min
